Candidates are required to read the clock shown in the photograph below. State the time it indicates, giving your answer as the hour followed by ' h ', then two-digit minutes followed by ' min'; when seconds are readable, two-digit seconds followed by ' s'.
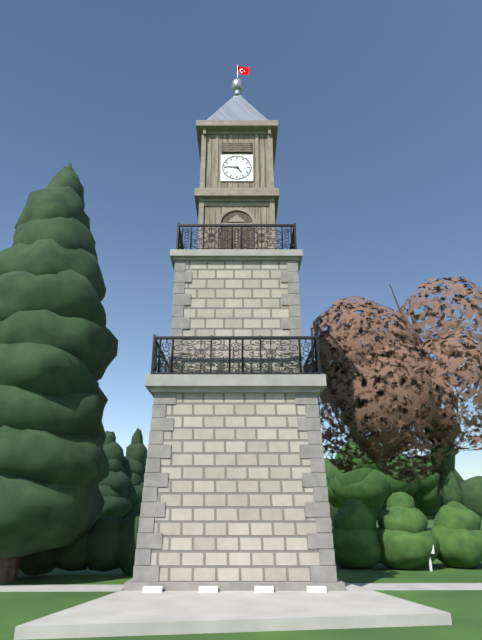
4 h 46 min
